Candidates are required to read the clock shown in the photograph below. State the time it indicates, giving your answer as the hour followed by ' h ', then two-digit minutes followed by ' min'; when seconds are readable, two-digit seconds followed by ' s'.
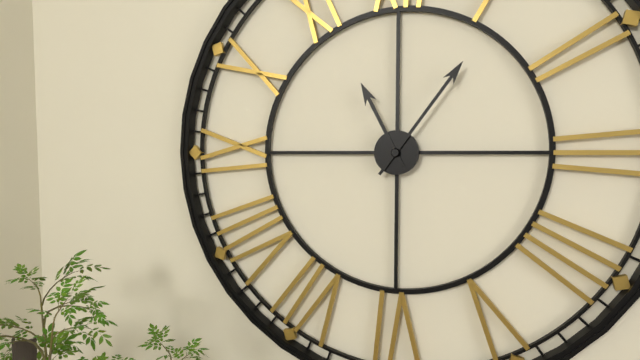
11 h 06 min
